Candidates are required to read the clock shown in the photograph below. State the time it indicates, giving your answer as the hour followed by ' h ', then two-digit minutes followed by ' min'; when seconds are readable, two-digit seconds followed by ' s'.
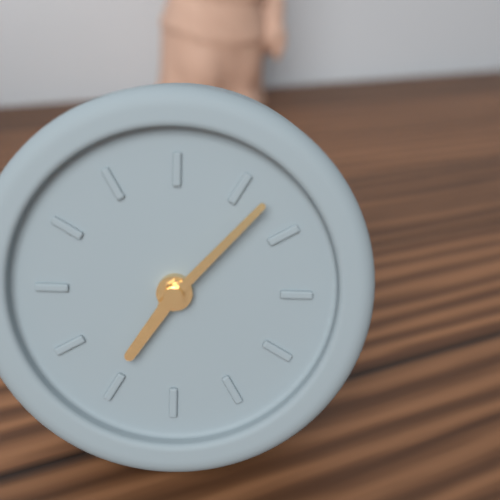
7 h 07 min
